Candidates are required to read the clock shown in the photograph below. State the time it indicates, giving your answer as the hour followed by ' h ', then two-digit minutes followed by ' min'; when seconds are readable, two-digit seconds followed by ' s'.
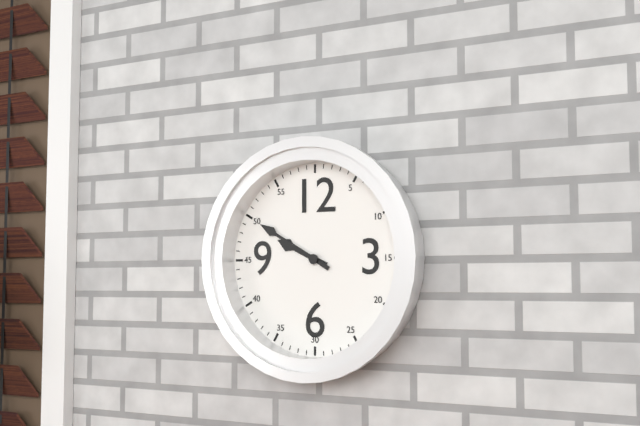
9 h 50 min
